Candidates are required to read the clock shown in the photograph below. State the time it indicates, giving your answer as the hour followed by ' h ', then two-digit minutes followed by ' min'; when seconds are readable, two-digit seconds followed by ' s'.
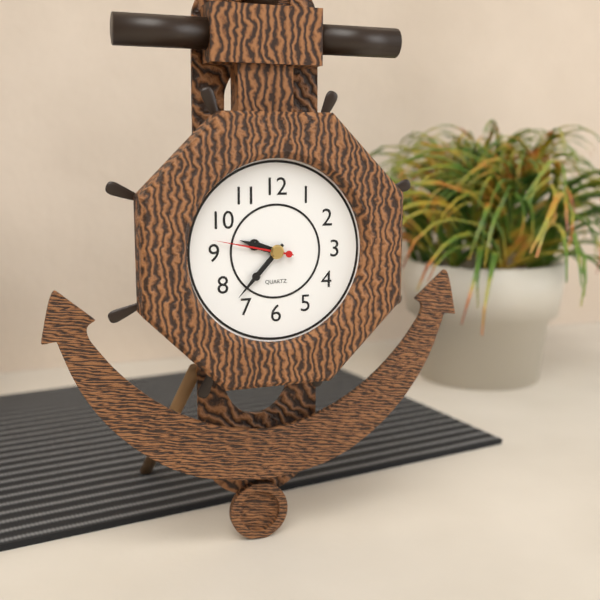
9 h 37 min 47 s
